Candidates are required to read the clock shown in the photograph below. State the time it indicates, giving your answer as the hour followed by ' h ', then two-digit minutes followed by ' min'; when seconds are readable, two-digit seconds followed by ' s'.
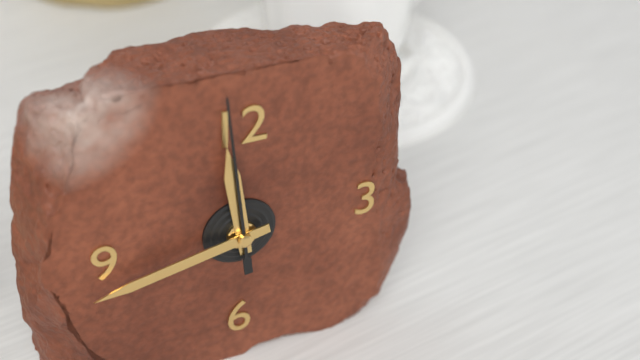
11 h 43 min 59 s
